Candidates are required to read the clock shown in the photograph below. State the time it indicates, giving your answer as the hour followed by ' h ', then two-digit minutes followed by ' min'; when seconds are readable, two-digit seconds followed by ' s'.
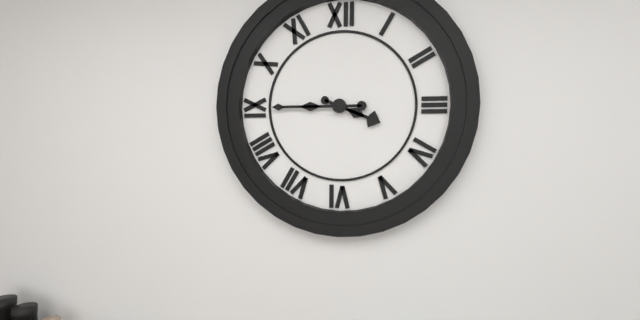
3 h 45 min
